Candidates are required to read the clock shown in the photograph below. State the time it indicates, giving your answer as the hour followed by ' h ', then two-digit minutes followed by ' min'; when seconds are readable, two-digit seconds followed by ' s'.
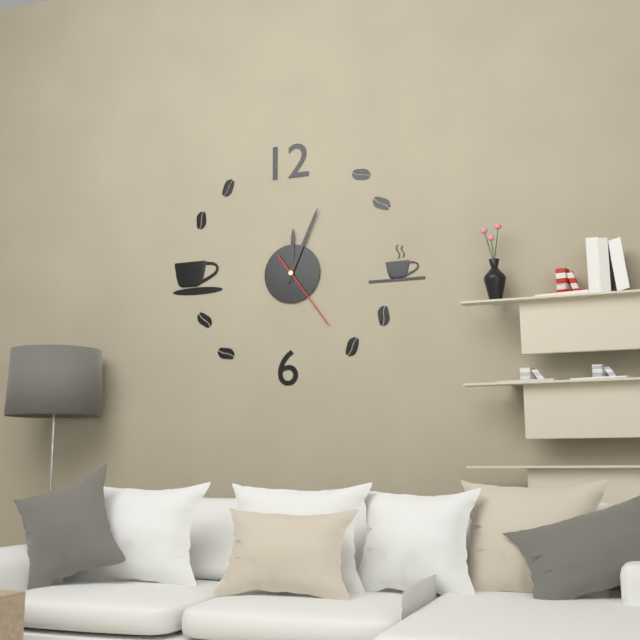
12 h 04 min 24 s
